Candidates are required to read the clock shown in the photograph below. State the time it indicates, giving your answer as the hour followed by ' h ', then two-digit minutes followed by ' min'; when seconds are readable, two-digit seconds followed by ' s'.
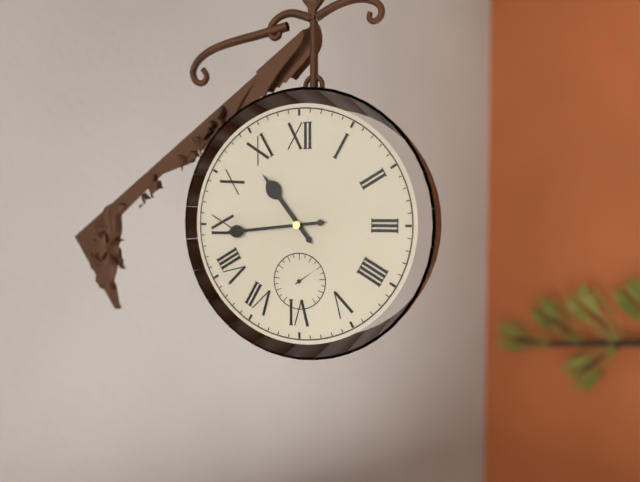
10 h 44 min
